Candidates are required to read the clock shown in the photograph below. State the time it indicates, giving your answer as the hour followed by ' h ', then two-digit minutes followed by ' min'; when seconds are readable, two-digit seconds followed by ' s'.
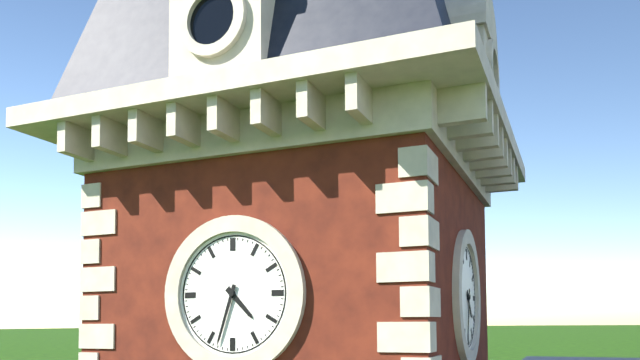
4 h 33 min
